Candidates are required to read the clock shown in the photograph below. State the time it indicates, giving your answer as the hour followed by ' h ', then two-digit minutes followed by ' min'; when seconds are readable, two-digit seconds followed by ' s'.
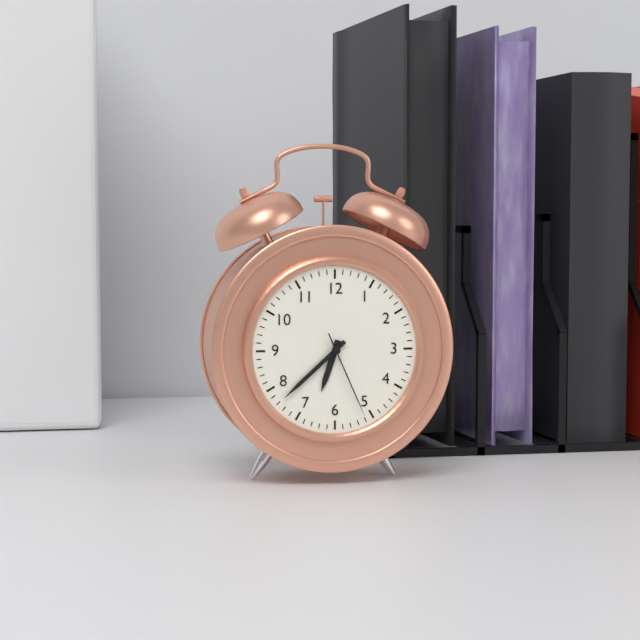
6 h 38 min 26 s
